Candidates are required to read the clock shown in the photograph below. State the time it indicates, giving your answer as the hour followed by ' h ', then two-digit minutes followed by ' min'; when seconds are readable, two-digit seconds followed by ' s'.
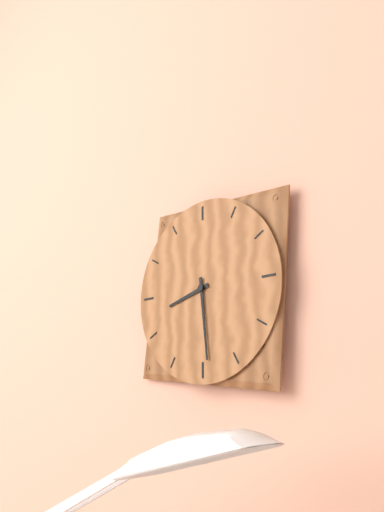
8 h 29 min
